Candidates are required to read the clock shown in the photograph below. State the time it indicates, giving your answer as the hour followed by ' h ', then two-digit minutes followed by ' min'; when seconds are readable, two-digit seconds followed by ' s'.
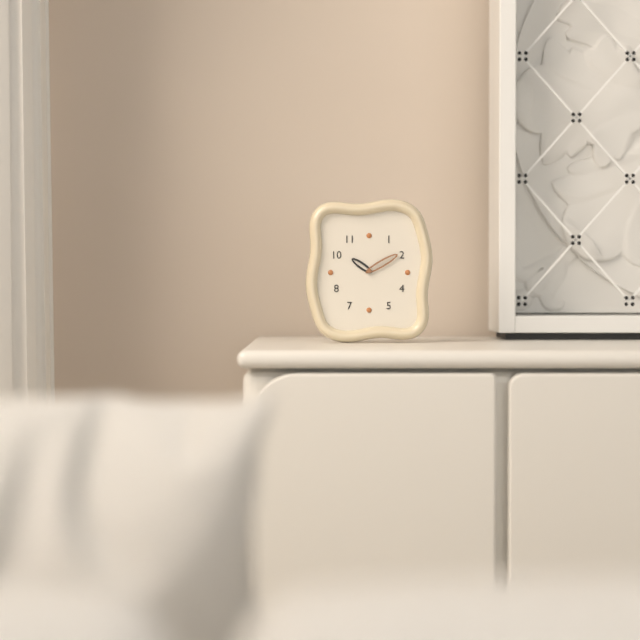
10 h 10 min
